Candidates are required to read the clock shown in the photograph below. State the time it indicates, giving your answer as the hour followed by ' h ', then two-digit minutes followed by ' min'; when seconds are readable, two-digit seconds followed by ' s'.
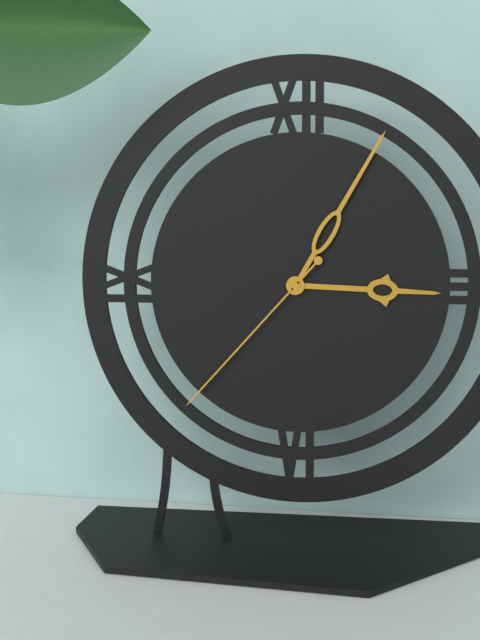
3 h 05 min 37 s
